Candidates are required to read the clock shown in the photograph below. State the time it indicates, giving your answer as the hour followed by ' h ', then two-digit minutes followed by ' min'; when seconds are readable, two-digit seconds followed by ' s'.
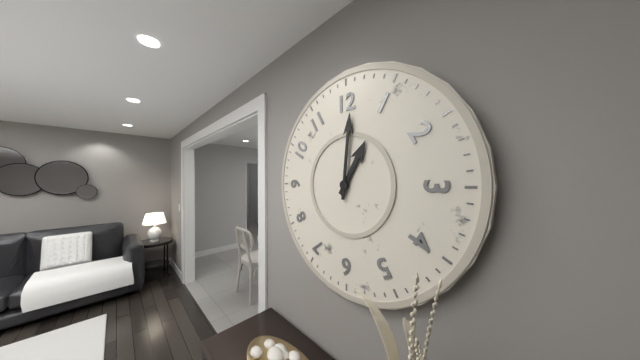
1 h 01 min
